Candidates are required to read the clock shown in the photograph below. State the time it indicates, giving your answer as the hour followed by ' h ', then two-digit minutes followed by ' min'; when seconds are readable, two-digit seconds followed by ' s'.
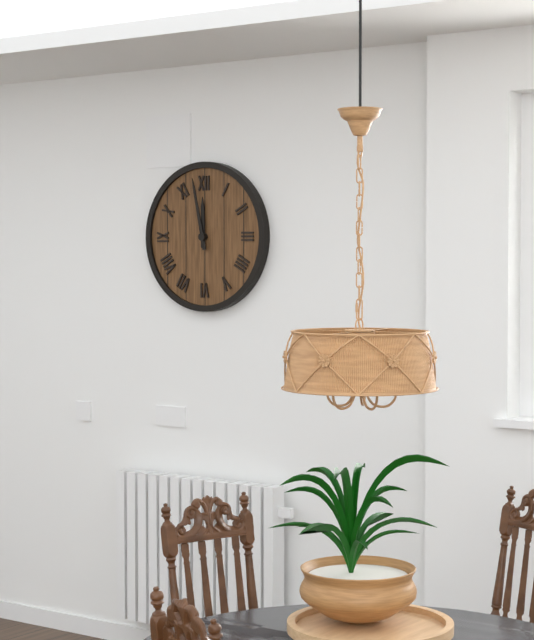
11 h 58 min
